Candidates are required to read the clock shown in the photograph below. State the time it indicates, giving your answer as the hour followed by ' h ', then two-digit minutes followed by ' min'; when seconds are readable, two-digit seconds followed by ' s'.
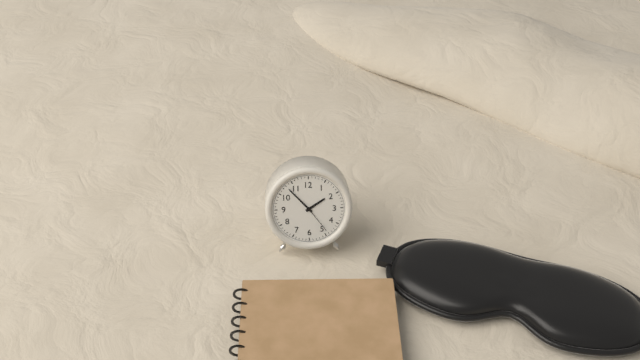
1 h 53 min
